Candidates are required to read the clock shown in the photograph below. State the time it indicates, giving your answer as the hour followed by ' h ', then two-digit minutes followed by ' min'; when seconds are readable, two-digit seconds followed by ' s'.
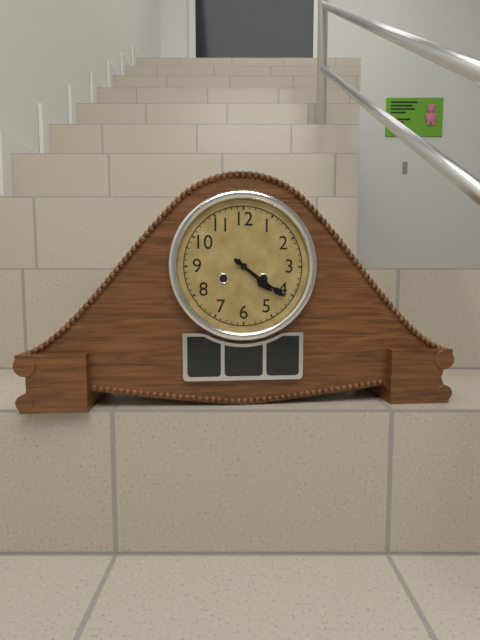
4 h 21 min
